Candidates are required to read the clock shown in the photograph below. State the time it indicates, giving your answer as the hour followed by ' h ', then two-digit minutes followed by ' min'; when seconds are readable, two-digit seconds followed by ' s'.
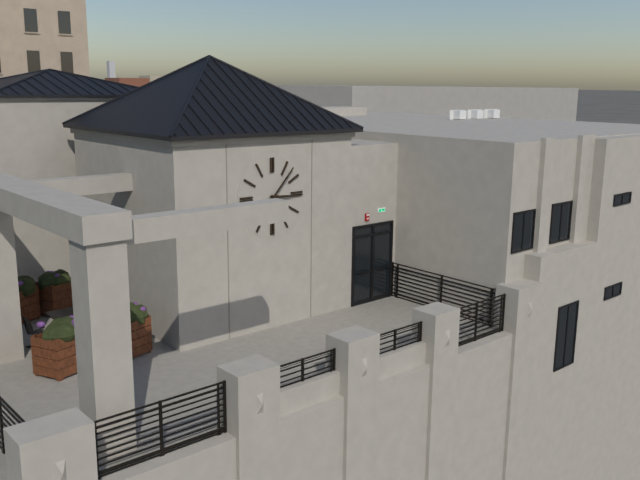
3 h 07 min
